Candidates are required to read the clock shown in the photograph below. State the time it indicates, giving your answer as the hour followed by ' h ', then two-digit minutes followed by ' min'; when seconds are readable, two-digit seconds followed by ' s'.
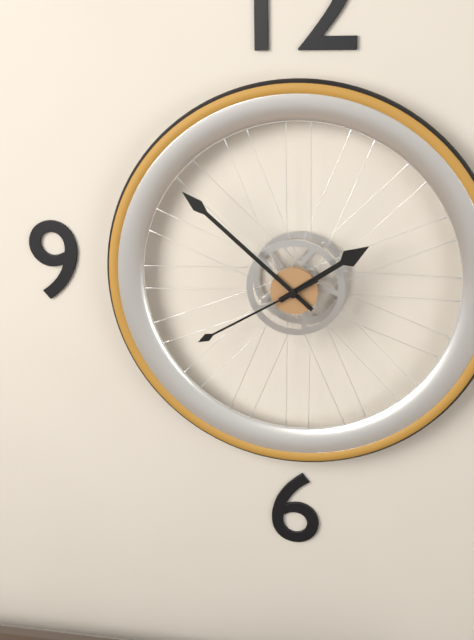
1 h 52 min 40 s
